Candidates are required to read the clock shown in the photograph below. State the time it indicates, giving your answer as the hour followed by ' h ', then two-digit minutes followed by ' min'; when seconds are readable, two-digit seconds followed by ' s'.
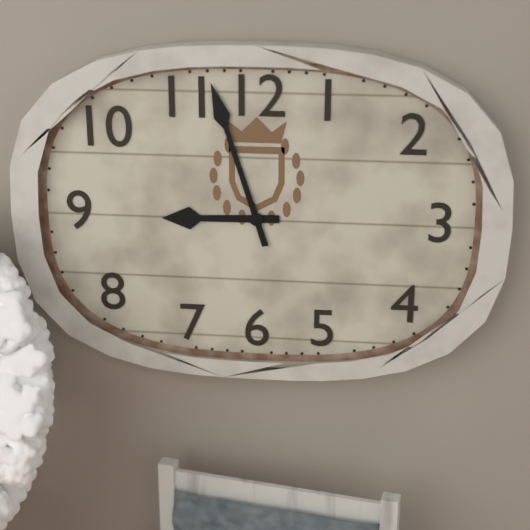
8 h 57 min
